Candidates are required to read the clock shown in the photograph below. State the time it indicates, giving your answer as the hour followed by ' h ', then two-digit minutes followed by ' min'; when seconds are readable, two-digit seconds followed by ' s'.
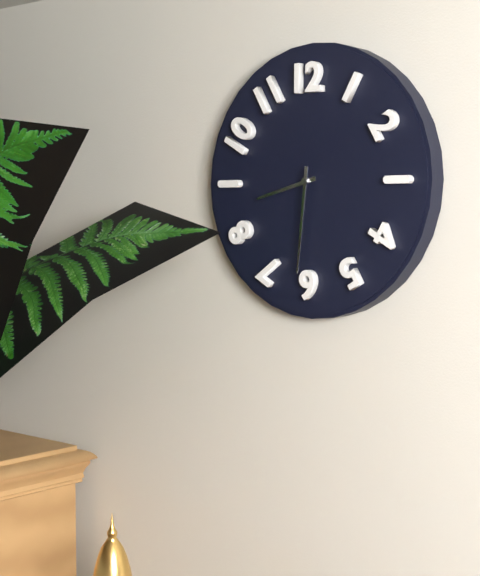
8 h 31 min
